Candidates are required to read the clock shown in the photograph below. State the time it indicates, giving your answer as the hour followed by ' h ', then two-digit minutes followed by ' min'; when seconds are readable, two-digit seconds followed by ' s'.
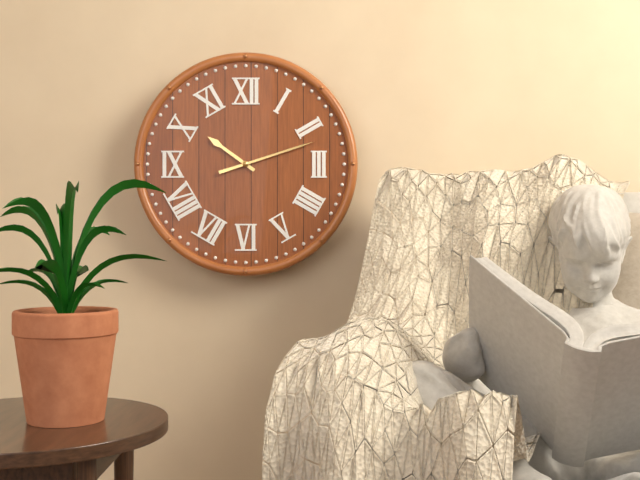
10 h 12 min
